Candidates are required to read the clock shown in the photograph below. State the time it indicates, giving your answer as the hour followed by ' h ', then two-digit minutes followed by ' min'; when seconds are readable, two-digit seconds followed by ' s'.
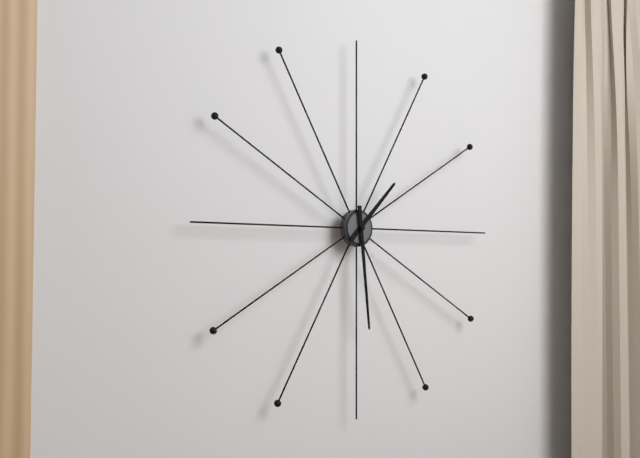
1 h 29 min
